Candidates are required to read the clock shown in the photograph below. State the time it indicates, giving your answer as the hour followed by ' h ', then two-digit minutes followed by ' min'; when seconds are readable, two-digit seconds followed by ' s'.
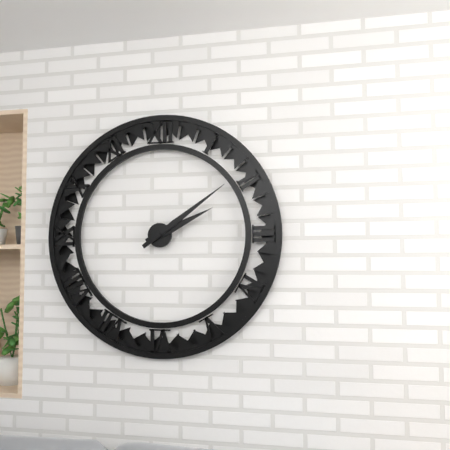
2 h 09 min
